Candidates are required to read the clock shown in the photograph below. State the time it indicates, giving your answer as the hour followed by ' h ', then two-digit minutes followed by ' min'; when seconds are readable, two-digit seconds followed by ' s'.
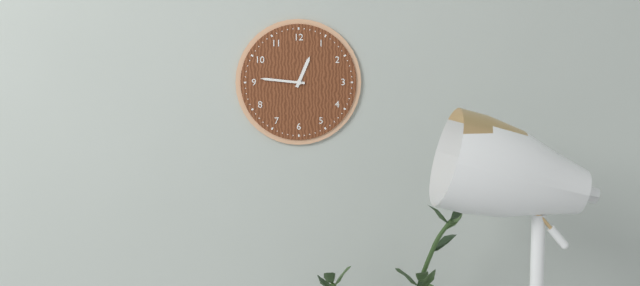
12 h 46 min
